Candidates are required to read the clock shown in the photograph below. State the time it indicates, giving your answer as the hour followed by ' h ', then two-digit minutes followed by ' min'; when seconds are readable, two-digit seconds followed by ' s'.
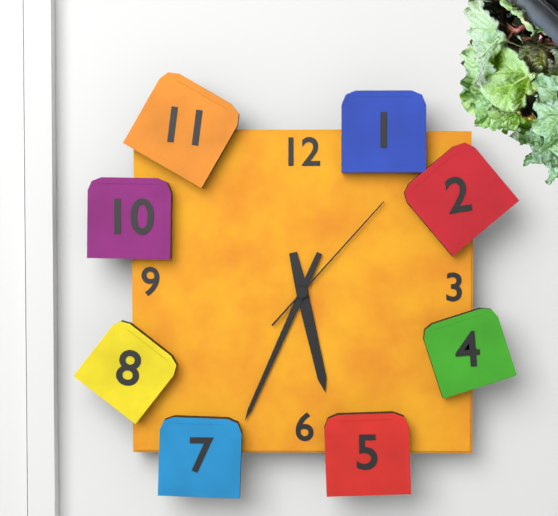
5 h 34 min 07 s
